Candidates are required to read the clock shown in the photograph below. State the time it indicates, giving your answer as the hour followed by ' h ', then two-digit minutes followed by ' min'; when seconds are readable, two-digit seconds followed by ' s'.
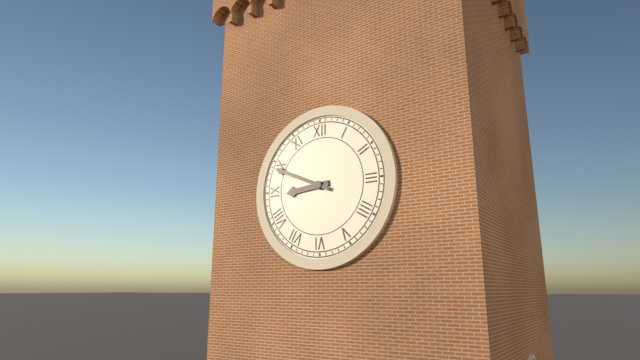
8 h 49 min
